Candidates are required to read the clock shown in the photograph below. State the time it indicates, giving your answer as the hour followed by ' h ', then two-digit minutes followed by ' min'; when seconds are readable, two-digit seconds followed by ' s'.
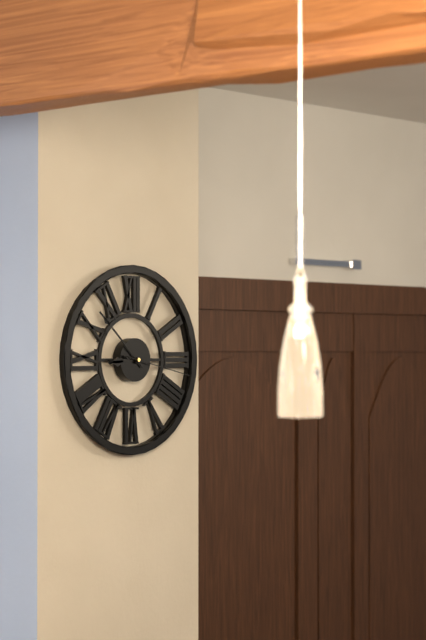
8 h 52 min 17 s
